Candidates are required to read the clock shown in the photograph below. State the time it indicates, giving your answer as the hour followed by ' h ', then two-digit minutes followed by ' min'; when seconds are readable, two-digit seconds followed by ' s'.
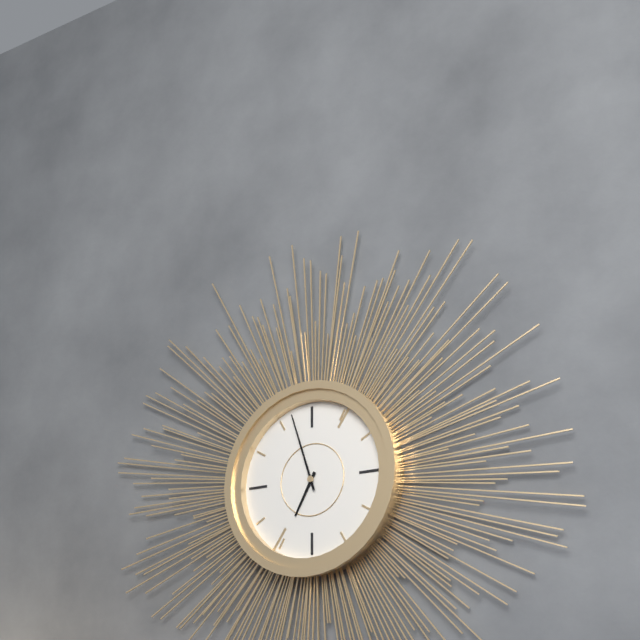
6 h 57 min
